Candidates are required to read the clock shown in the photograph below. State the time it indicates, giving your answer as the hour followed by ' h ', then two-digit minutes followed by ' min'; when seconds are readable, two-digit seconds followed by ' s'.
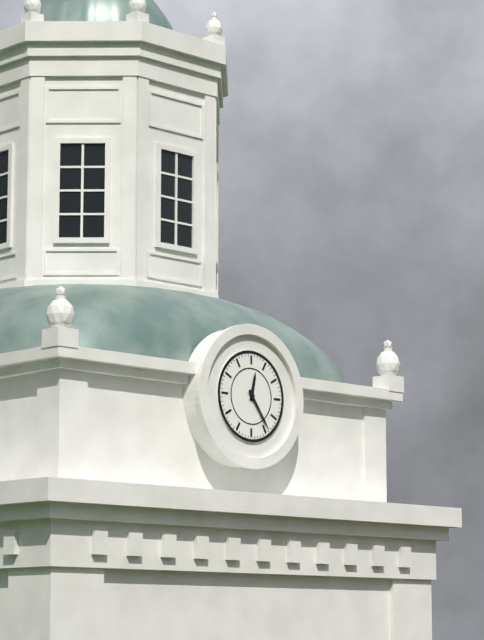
12 h 24 min
